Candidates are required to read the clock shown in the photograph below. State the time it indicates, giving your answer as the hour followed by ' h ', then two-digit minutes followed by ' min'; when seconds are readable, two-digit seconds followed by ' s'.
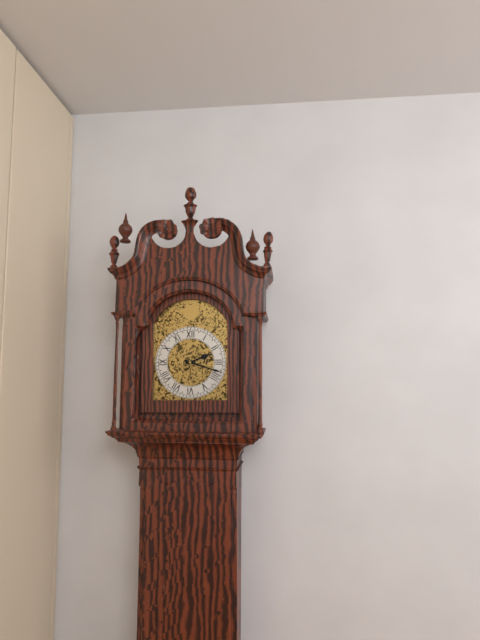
2 h 18 min
